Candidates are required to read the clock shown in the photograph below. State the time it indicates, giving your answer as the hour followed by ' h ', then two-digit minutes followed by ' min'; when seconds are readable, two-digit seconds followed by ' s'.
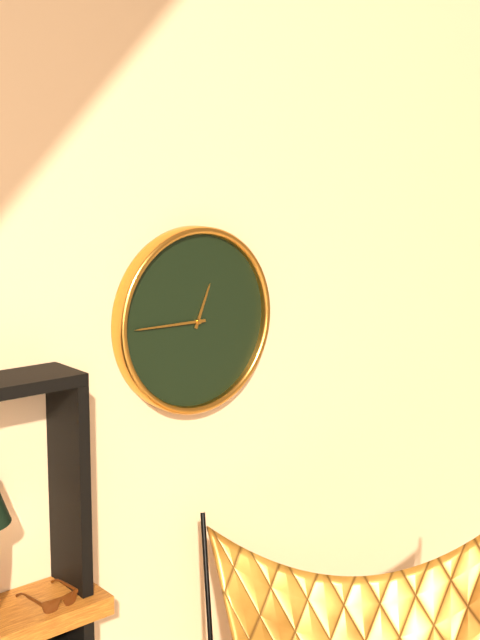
12 h 45 min
